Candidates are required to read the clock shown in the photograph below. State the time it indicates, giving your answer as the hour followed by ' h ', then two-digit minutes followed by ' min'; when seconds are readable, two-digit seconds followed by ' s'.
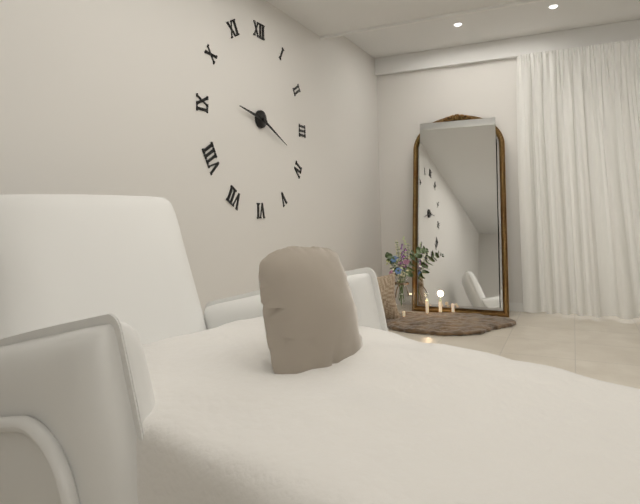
9 h 19 min
